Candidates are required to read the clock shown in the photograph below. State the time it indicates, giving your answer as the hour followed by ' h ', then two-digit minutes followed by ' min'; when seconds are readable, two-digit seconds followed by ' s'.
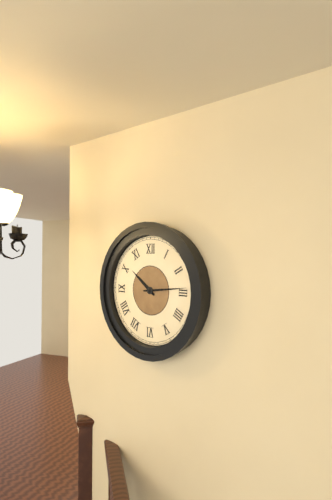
10 h 14 min
